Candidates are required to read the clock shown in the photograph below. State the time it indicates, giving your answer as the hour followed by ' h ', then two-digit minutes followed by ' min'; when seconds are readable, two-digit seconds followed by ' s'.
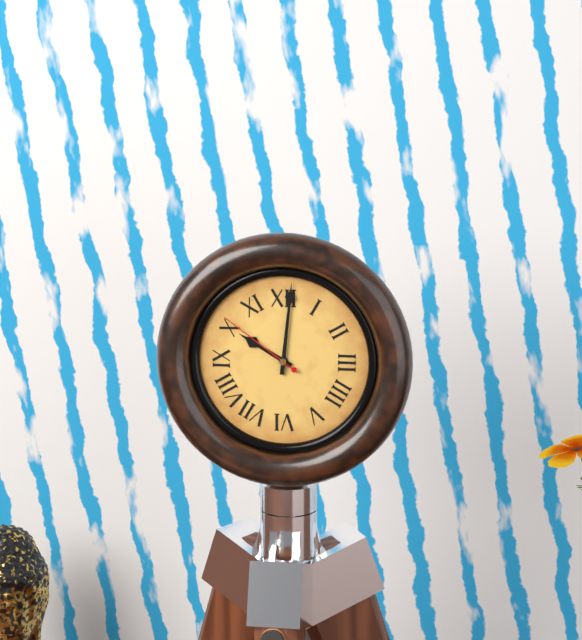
10 h 01 min 51 s
